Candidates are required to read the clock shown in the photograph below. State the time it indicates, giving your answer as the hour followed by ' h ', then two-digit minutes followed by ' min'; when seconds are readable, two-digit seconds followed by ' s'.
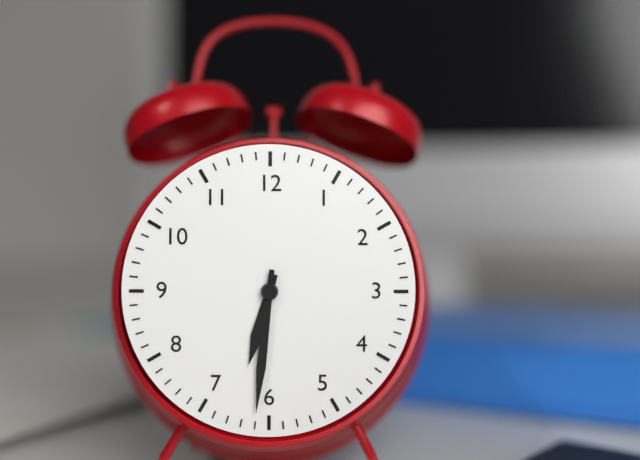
6 h 31 min
